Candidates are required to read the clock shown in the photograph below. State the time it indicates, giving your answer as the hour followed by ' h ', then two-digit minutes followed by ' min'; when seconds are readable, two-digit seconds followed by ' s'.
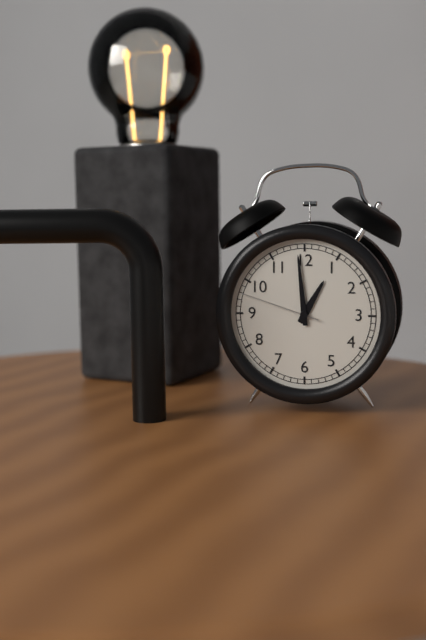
12 h 59 min 48 s
